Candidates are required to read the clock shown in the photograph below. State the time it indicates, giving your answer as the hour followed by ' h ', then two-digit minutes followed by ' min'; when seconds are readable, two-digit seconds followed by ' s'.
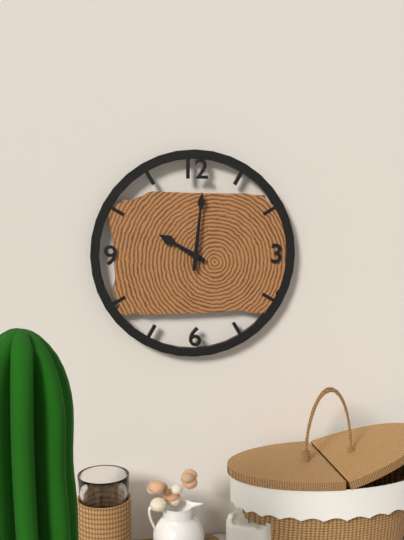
10 h 01 min
